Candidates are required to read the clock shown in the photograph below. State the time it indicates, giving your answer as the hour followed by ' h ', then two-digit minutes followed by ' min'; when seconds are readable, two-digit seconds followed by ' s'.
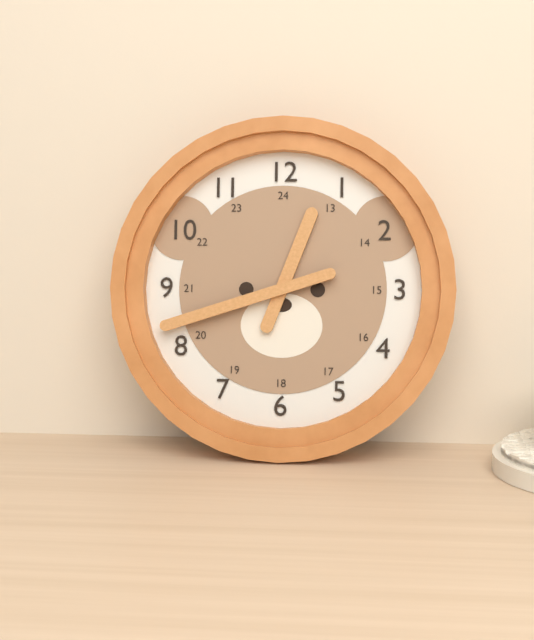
12 h 42 min
